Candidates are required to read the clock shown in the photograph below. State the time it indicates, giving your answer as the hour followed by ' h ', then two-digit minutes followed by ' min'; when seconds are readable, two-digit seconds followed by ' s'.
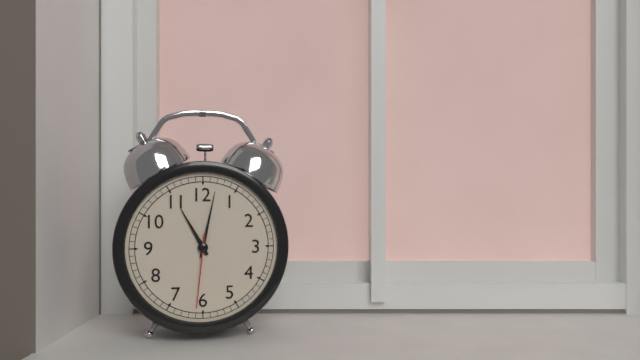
11 h 02 min 31 s
